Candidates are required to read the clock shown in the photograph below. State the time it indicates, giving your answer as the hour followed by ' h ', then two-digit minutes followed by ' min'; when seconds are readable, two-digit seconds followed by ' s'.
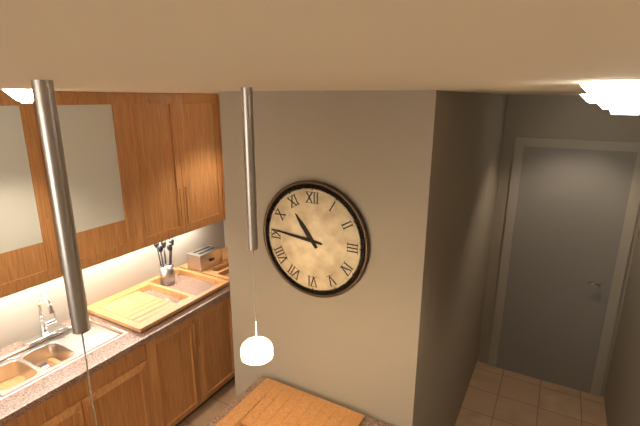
10 h 46 min
